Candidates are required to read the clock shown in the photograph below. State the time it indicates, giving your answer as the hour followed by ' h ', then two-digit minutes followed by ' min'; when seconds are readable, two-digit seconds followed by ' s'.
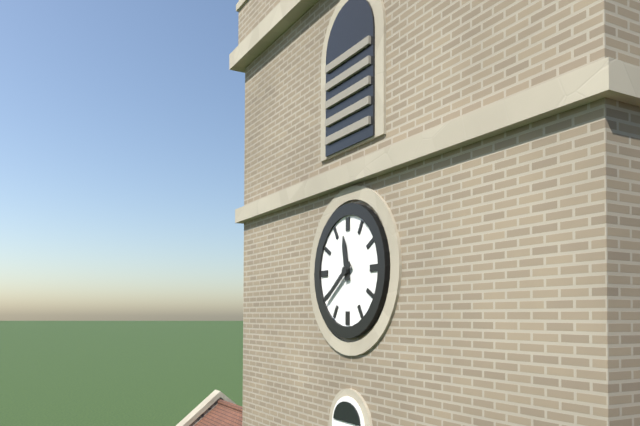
11 h 39 min
